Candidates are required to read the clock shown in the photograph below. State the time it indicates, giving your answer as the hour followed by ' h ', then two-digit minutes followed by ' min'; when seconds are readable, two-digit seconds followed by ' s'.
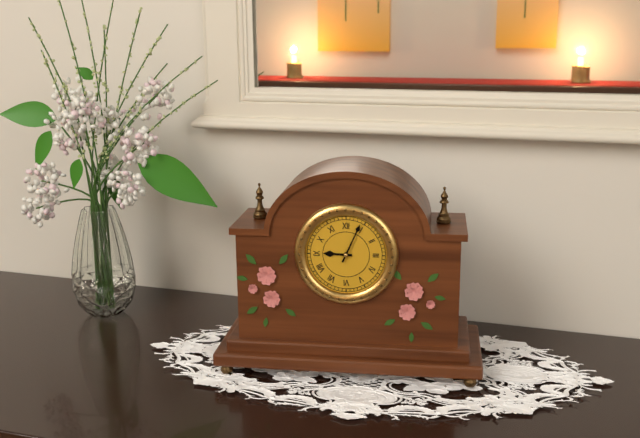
9 h 04 min
